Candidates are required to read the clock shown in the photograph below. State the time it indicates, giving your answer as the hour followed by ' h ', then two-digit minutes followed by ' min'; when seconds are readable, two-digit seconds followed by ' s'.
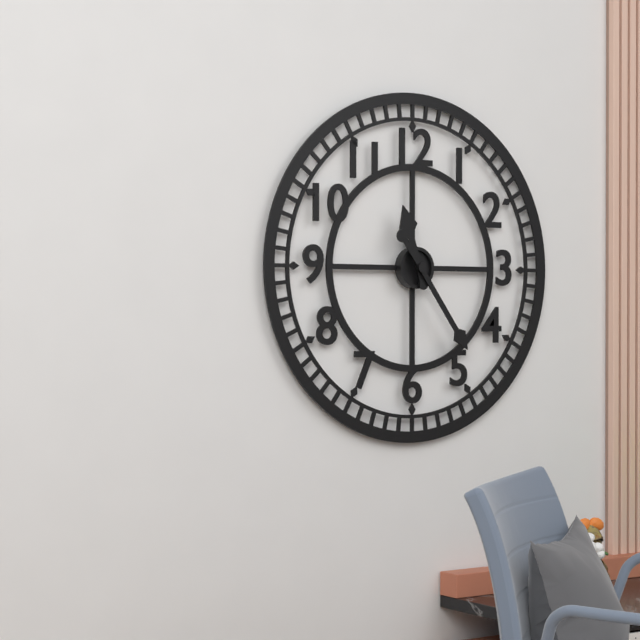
11 h 24 min
